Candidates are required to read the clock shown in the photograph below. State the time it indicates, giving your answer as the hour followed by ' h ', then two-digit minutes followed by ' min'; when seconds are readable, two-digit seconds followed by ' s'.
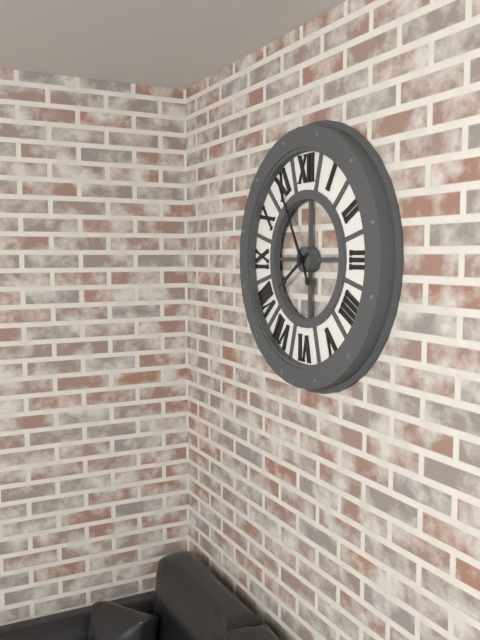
7 h 55 min
